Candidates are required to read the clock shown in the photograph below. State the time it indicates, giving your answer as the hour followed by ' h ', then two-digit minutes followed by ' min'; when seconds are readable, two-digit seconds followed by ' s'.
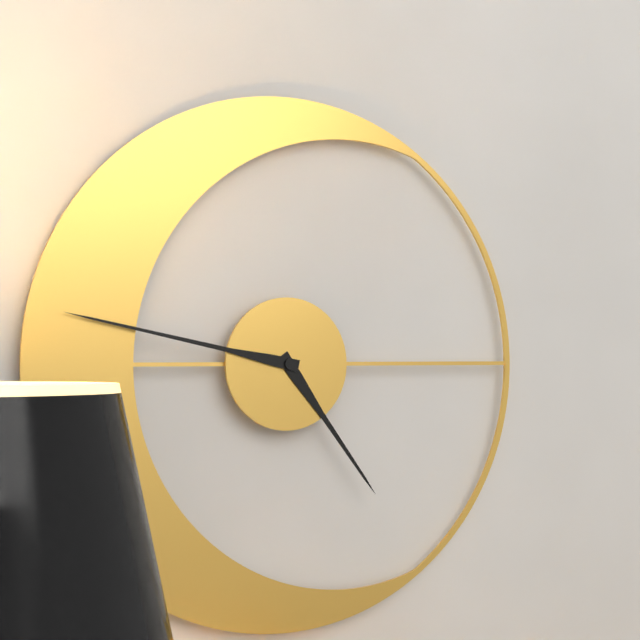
4 h 47 min
